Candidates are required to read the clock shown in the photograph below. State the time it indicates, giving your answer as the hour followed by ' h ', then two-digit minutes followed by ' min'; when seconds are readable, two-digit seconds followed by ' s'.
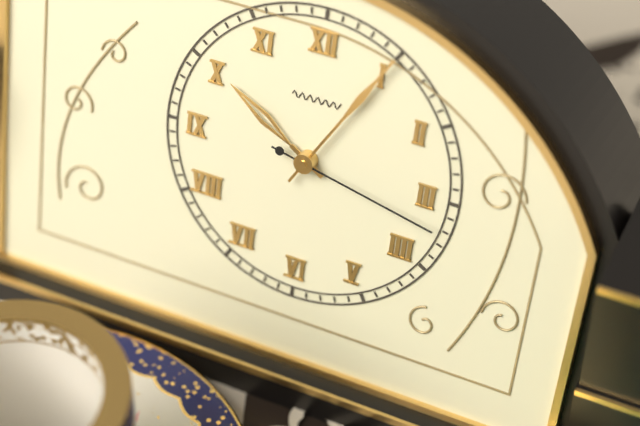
10 h 05 min 17 s
